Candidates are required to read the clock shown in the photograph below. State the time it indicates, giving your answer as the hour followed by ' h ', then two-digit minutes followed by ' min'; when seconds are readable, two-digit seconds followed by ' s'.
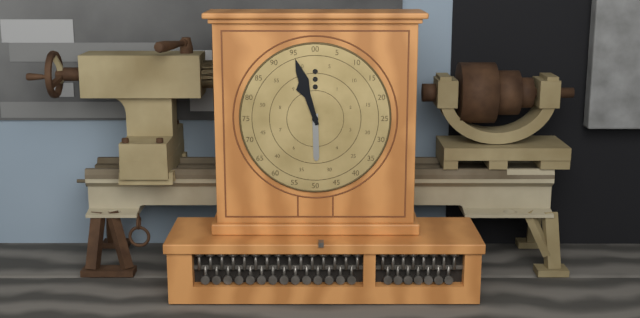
5 h 57 min
